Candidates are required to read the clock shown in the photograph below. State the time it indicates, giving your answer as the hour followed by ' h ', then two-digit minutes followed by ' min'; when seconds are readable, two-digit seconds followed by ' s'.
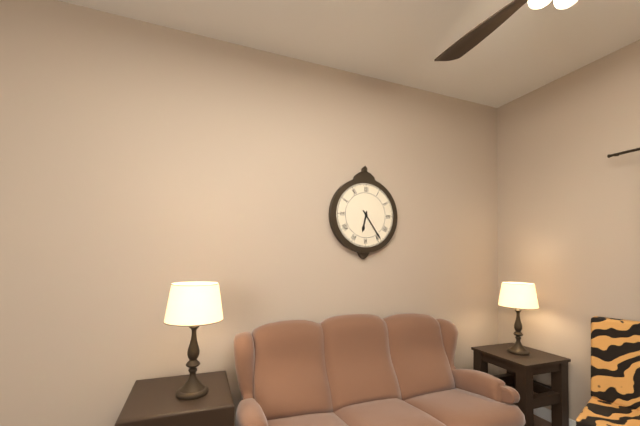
6 h 24 min
